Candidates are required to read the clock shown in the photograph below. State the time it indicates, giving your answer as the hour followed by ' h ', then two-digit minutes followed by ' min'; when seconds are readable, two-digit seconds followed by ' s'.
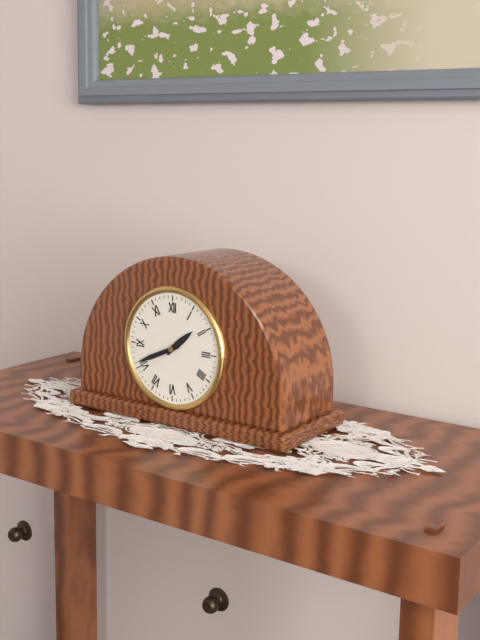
1 h 41 min
